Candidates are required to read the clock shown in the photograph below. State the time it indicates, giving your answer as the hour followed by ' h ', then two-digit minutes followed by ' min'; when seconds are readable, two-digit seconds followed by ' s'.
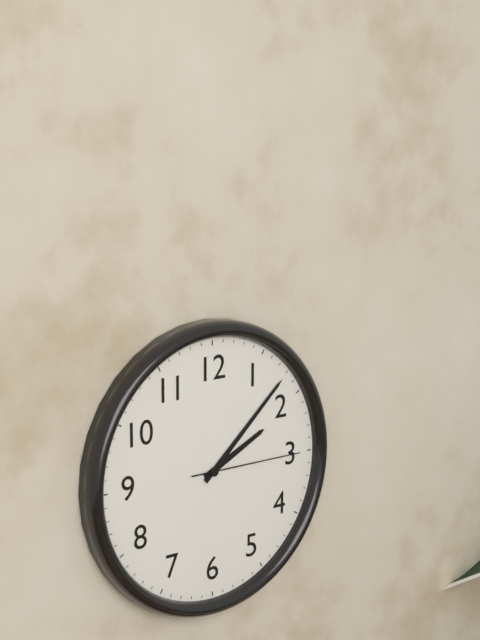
2 h 08 min 15 s
